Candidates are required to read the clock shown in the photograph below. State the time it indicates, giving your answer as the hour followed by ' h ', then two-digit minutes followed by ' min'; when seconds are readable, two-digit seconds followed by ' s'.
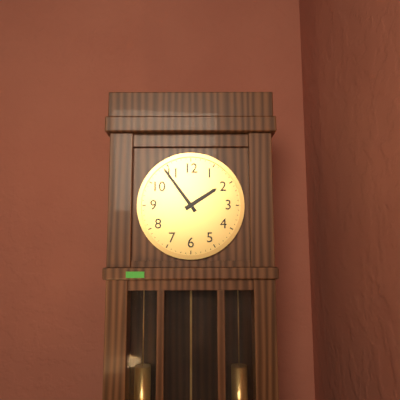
1 h 54 min
